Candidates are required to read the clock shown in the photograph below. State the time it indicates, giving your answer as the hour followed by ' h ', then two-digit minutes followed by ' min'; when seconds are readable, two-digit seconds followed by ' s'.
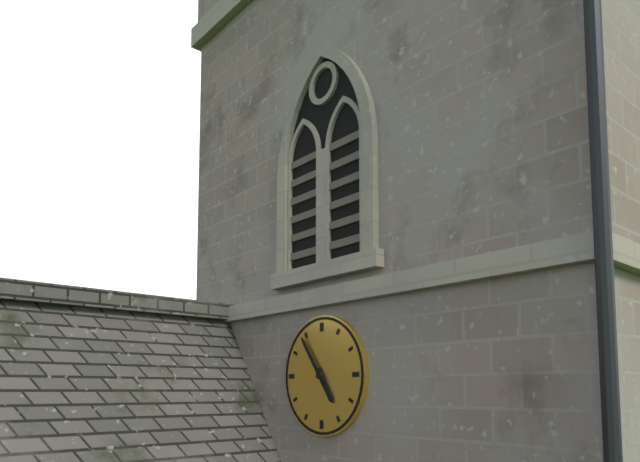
4 h 54 min
